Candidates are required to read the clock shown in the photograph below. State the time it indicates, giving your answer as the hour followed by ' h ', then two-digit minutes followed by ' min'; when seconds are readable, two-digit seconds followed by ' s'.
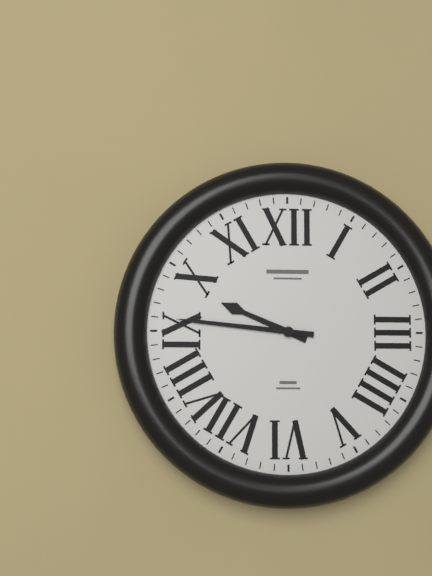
9 h 46 min
